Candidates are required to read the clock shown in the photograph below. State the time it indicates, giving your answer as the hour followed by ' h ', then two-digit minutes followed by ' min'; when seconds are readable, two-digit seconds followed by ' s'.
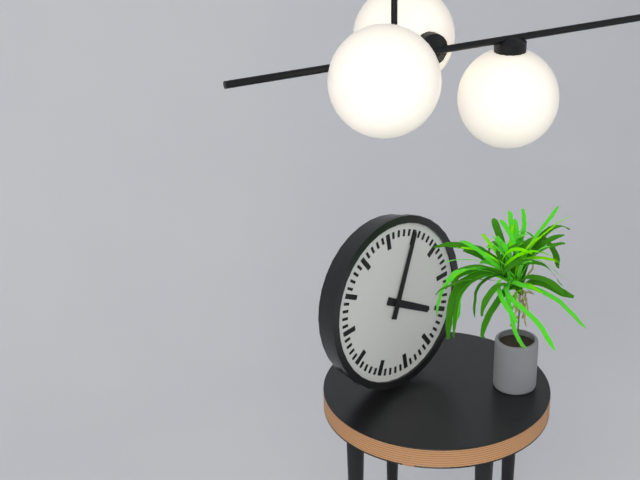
4 h 05 min
